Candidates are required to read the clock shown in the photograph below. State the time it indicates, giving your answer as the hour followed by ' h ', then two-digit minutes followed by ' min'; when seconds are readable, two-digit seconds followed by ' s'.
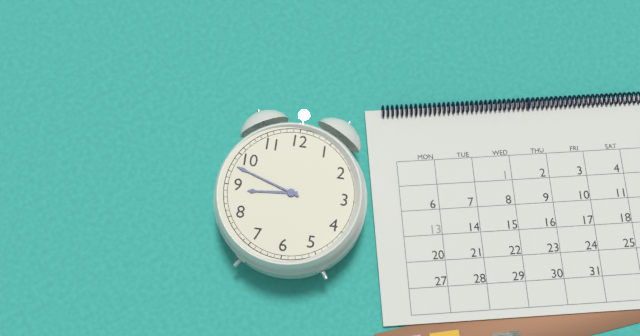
8 h 48 min
